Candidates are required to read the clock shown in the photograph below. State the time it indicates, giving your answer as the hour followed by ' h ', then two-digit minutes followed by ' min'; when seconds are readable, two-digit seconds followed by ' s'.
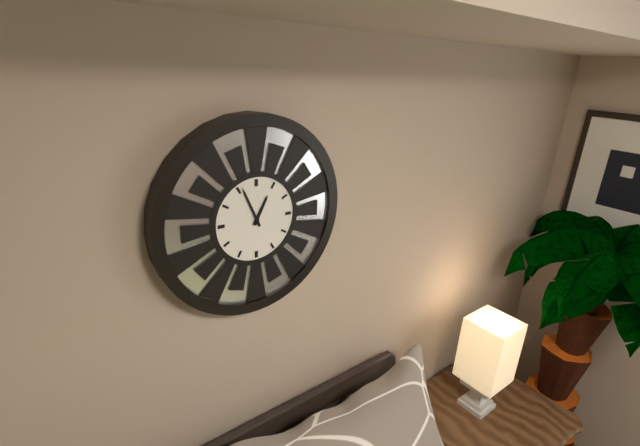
12 h 56 min
